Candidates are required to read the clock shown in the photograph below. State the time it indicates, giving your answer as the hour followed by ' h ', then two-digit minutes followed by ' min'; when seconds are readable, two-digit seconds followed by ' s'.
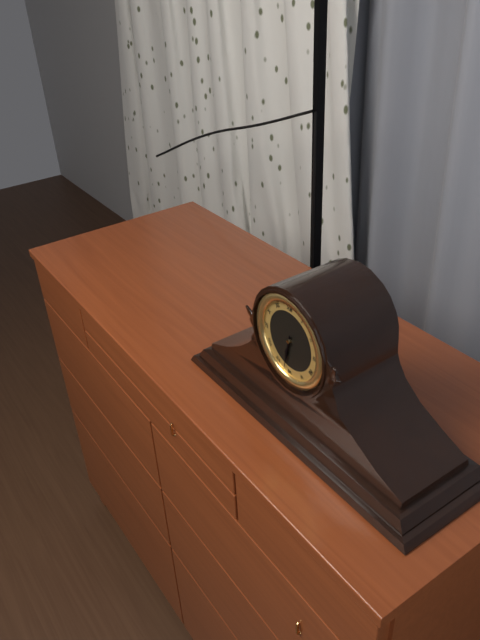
6 h 32 min
